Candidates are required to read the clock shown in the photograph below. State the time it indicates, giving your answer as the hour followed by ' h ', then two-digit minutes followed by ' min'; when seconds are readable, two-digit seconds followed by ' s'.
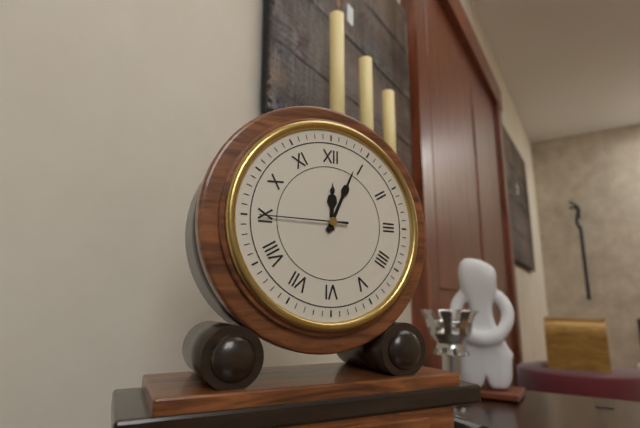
12 h 04 min 45 s
